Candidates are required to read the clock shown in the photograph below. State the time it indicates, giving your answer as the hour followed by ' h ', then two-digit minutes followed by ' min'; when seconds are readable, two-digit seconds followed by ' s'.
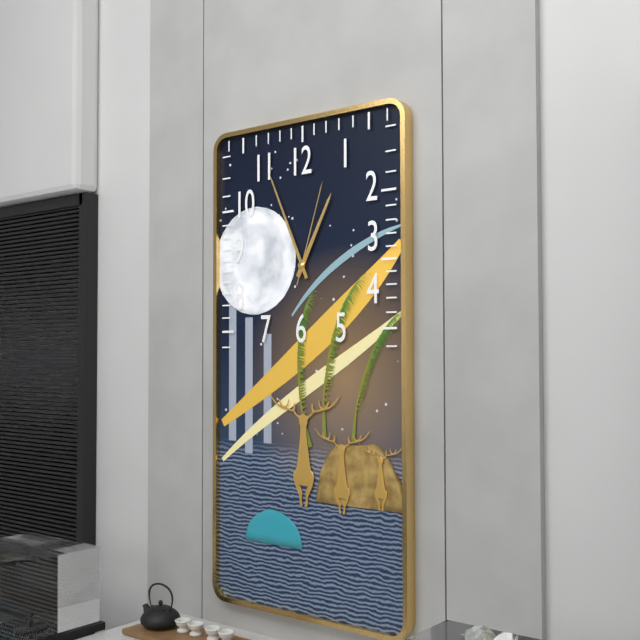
12 h 56 min 03 s
